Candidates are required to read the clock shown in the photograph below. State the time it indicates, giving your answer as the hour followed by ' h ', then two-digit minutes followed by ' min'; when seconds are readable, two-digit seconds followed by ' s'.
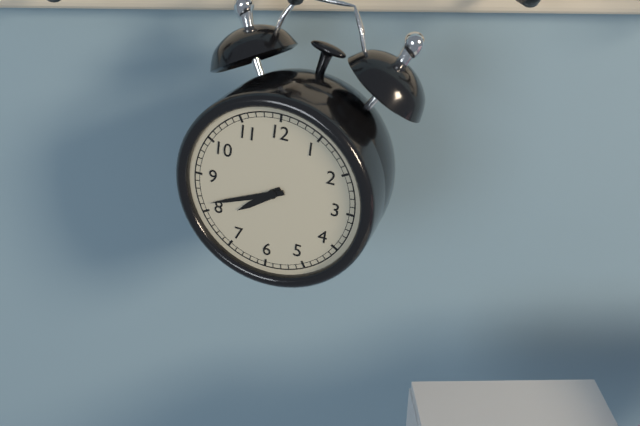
7 h 41 min
